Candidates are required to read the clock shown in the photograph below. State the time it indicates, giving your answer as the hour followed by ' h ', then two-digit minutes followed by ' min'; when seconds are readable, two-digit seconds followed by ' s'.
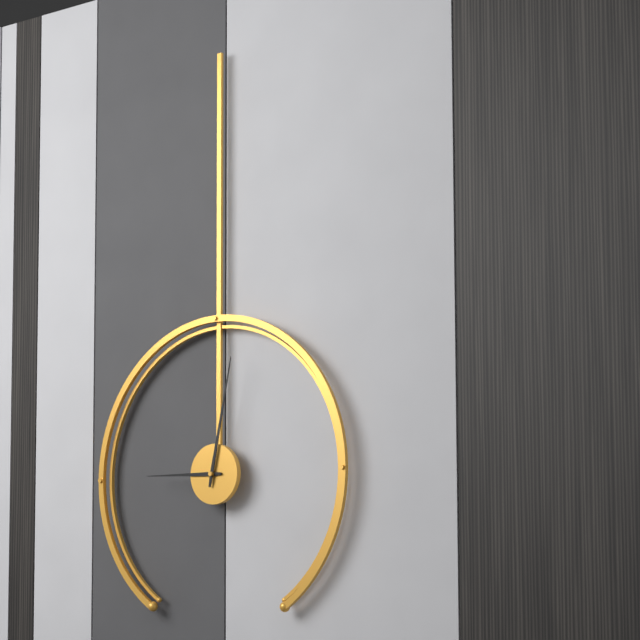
9 h 02 min
